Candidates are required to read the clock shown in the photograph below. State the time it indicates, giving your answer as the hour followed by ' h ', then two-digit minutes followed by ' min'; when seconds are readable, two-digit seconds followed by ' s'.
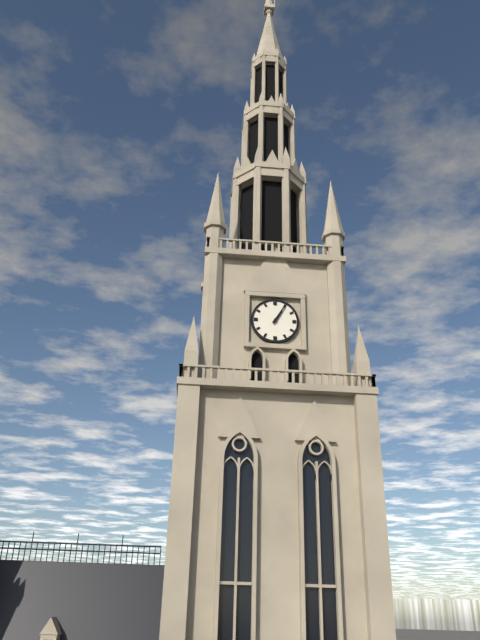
1 h 05 min
